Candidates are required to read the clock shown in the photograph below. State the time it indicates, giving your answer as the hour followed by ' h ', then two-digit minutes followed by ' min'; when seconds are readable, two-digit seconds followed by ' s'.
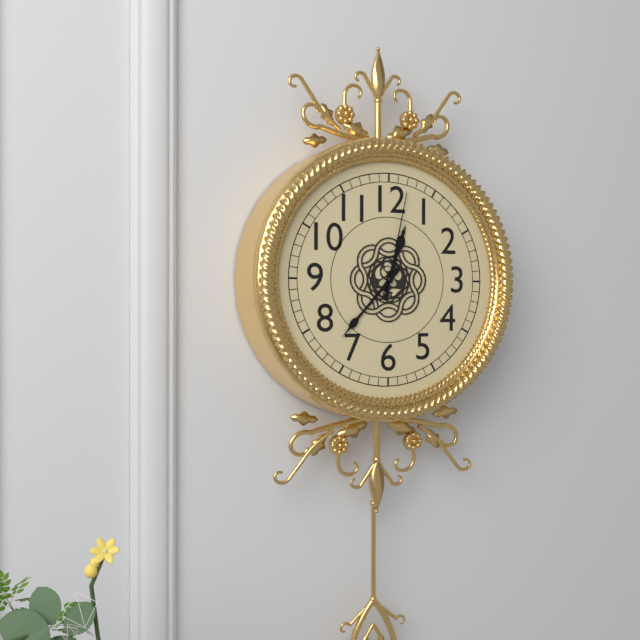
12 h 37 min 02 s
